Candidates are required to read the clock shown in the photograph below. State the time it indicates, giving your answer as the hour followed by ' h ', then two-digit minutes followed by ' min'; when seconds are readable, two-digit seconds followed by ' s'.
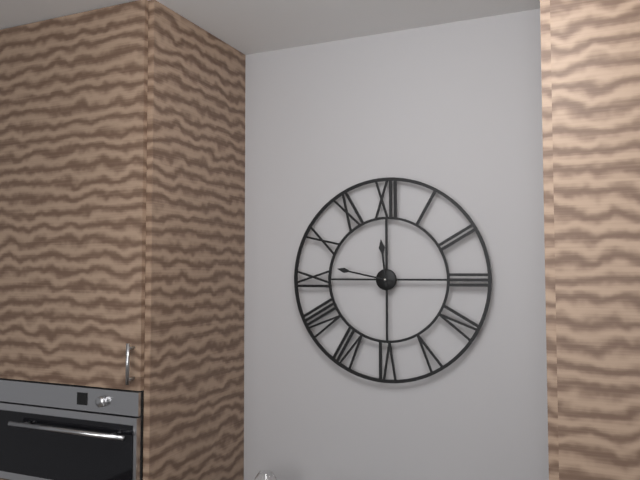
11 h 47 min
